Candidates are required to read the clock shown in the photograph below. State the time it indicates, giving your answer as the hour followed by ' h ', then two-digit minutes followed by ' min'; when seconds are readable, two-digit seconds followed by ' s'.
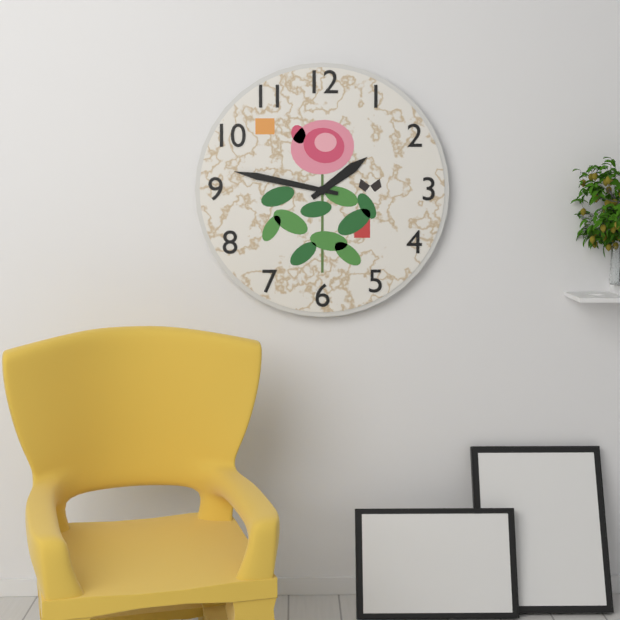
1 h 47 min
